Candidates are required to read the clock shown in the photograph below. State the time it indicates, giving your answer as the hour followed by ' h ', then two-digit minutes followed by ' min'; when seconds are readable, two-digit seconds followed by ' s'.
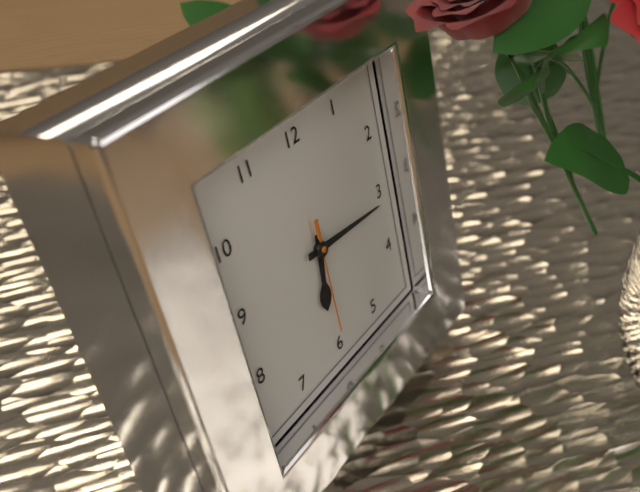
6 h 16 min 30 s
